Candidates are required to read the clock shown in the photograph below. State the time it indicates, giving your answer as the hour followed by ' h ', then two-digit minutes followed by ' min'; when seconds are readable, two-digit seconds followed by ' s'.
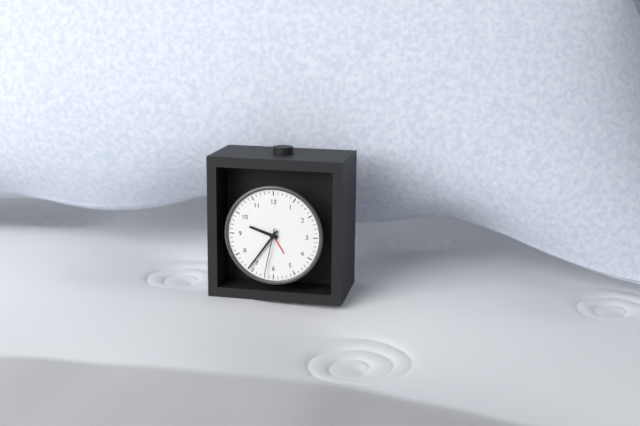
9 h 36 min 32 s
